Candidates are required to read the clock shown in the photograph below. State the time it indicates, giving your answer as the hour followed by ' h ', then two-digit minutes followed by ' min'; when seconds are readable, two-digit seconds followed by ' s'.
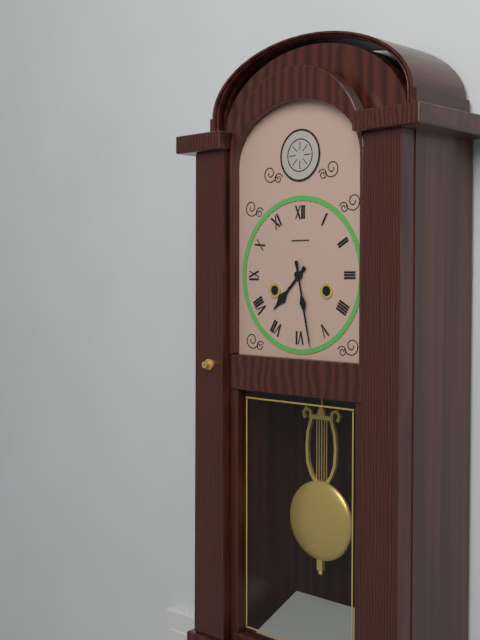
7 h 28 min
